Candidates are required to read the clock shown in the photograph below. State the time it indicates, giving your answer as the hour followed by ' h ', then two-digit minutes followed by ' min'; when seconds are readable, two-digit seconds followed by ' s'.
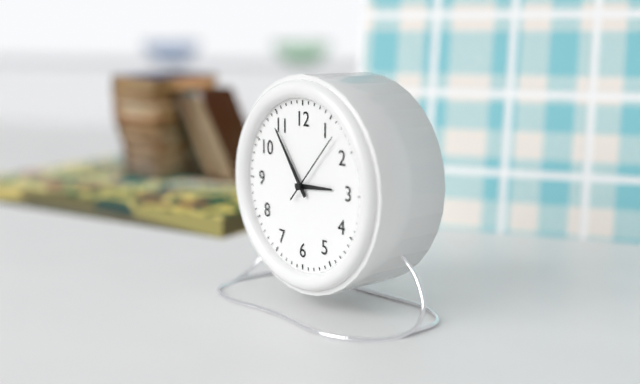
2 h 54 min 07 s
